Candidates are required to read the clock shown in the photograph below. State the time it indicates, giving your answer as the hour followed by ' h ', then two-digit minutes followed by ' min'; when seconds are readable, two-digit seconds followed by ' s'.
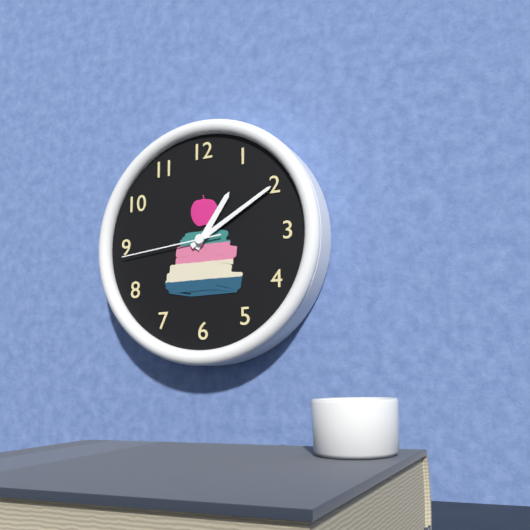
1 h 10 min 44 s
